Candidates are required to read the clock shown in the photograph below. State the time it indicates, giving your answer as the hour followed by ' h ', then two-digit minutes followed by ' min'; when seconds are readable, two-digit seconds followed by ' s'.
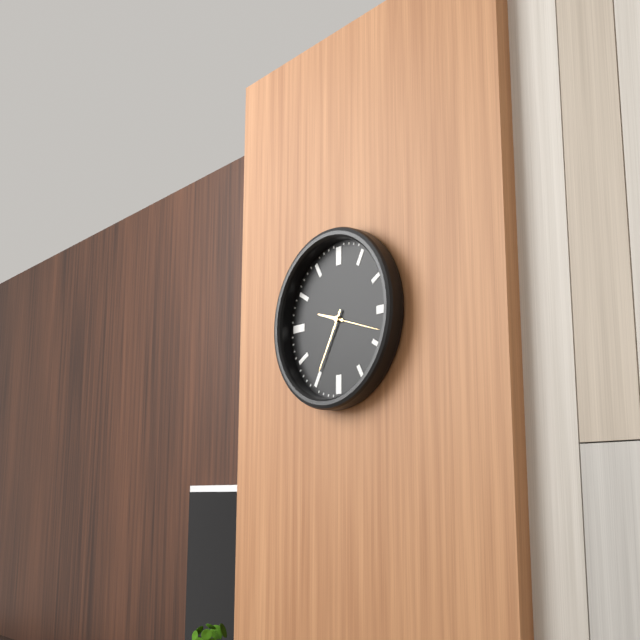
9 h 35 min 18 s
